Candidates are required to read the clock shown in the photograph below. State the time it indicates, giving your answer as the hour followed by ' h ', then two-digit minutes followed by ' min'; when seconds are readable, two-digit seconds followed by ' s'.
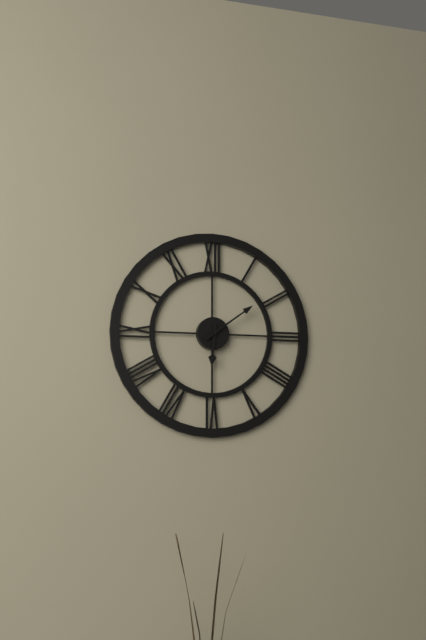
6 h 09 min
